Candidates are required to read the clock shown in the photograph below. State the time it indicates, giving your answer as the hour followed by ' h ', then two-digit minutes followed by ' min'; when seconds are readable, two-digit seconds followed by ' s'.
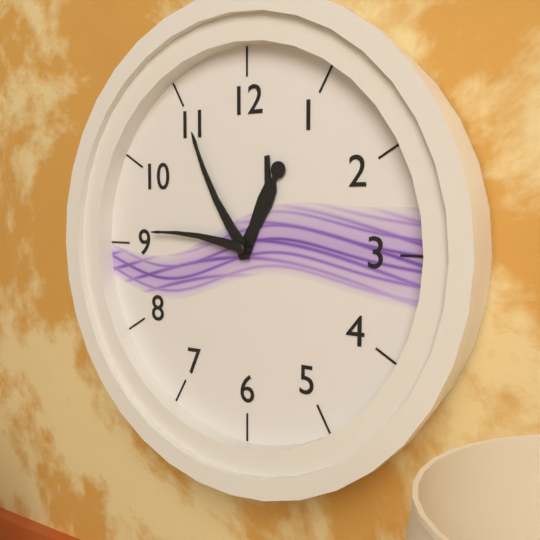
12 h 55 min 46 s
